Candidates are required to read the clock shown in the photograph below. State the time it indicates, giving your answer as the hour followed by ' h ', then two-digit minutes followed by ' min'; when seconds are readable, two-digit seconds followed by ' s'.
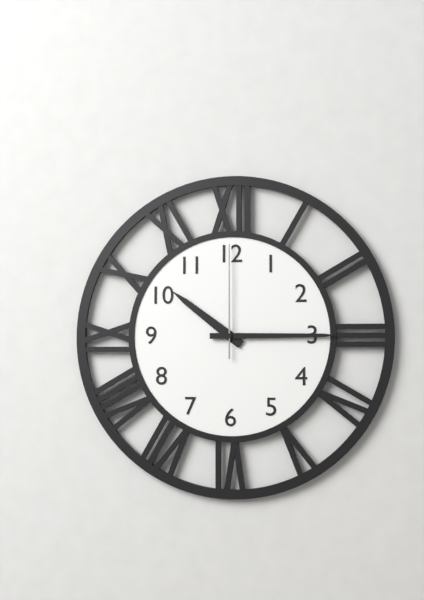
10 h 15 min 00 s
